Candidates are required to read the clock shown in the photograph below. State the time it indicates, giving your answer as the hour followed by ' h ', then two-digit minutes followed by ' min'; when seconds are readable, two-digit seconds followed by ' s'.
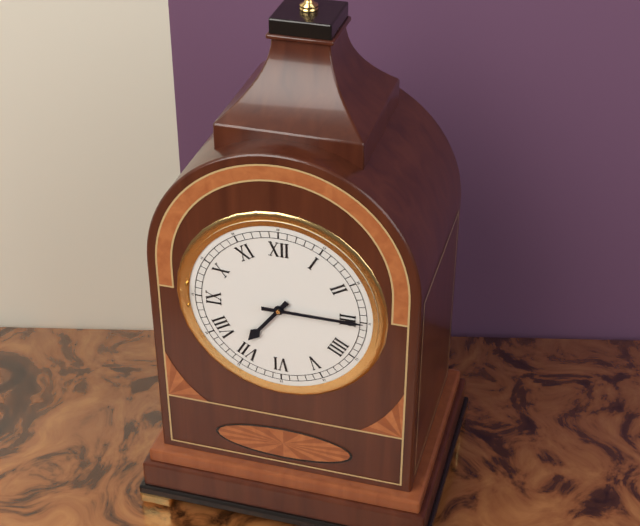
7 h 15 min
